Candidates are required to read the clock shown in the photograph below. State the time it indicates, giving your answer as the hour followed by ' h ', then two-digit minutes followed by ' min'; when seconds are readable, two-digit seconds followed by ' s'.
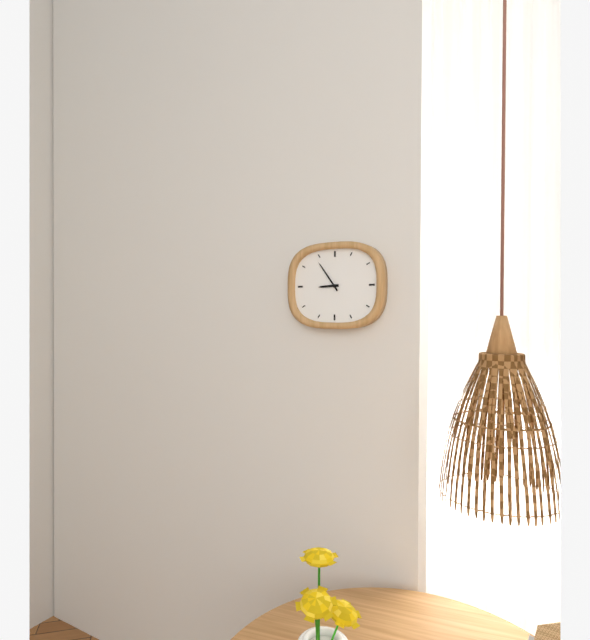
8 h 54 min
